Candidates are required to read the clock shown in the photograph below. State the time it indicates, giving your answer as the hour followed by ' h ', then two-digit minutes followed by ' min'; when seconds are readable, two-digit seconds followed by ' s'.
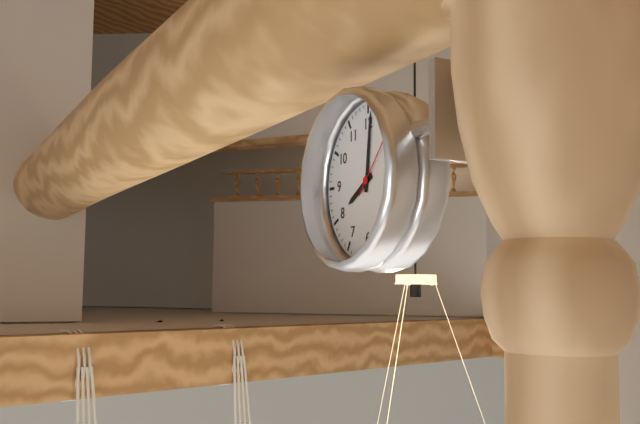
8 h 01 min
